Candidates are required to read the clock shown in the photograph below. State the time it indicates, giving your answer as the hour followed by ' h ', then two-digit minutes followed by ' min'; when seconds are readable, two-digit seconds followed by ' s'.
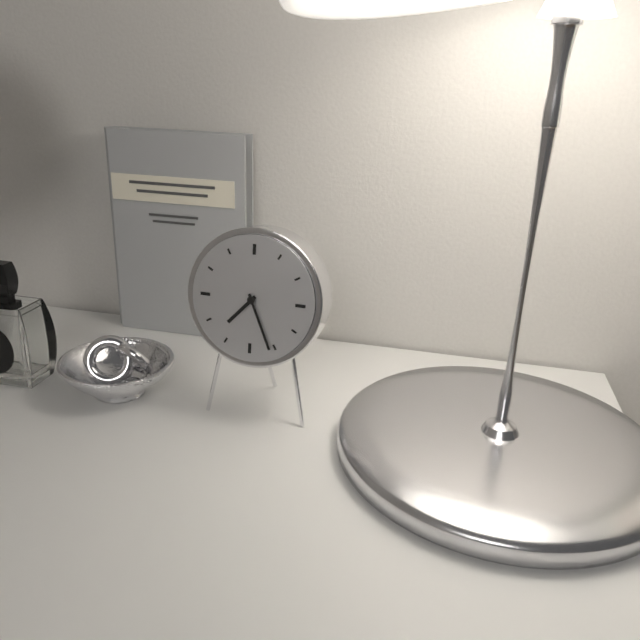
7 h 26 min
